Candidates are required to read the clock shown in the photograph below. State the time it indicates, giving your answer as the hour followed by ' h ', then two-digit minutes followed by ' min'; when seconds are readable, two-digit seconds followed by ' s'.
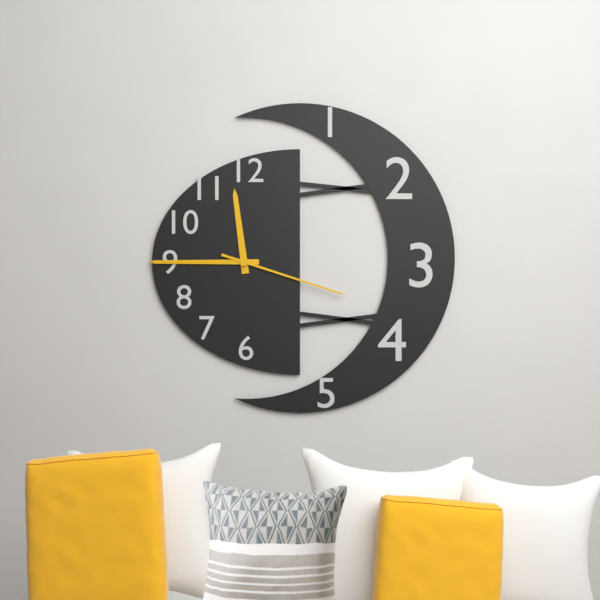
11 h 45 min 18 s
